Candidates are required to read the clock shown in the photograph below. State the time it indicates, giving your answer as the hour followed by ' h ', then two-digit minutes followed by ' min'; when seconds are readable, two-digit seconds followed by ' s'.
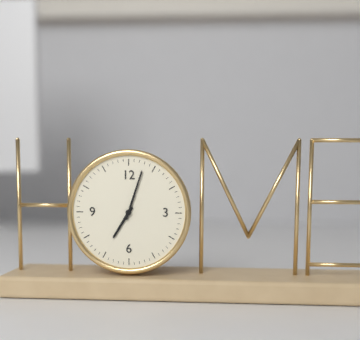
7 h 03 min
